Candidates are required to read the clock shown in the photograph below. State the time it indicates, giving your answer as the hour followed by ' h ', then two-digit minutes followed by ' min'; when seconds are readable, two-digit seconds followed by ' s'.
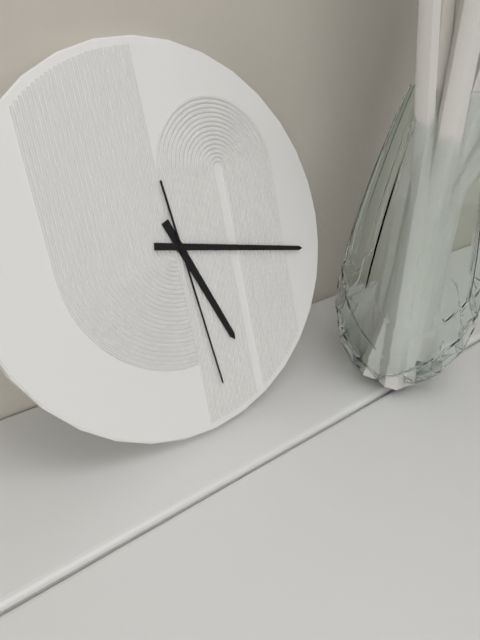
5 h 17 min 29 s
